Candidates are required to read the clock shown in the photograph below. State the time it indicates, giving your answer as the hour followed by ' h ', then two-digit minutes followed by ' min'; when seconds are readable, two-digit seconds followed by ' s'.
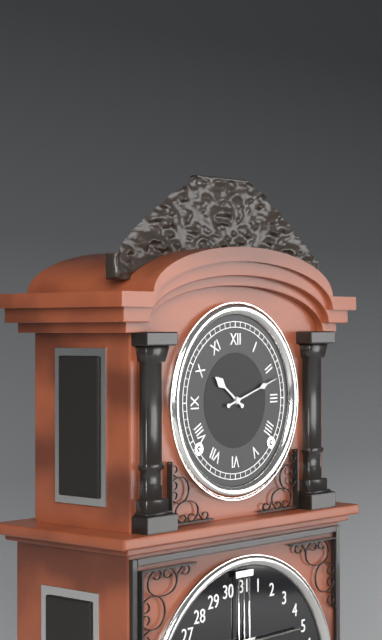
10 h 12 min
